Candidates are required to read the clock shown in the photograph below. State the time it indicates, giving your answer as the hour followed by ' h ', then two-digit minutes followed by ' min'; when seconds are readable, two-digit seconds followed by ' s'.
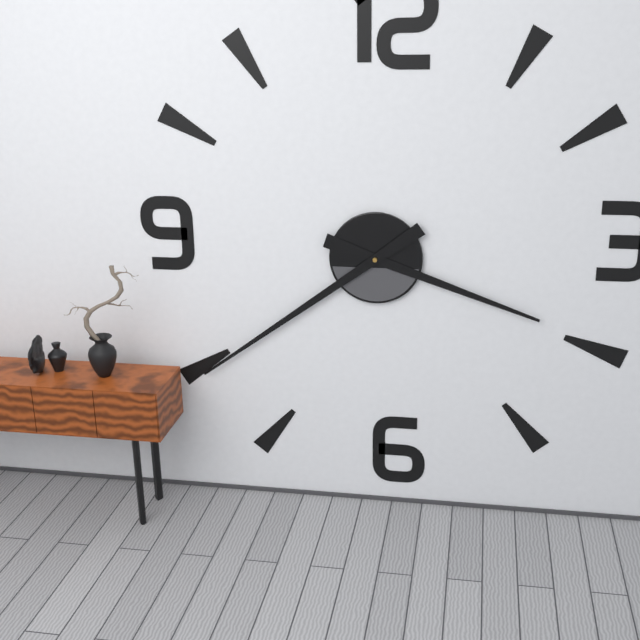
3 h 39 min
